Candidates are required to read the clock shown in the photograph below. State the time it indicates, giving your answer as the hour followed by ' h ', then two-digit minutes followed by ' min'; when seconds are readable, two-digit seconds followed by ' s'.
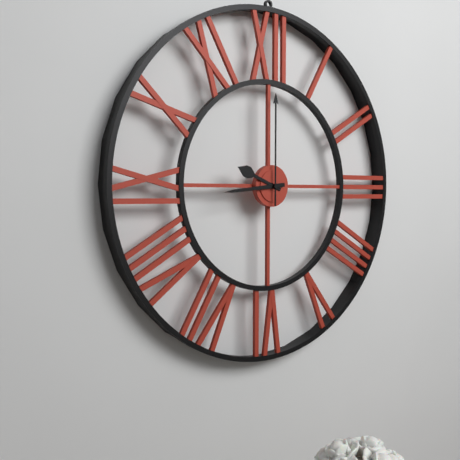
9 h 44 min 00 s
